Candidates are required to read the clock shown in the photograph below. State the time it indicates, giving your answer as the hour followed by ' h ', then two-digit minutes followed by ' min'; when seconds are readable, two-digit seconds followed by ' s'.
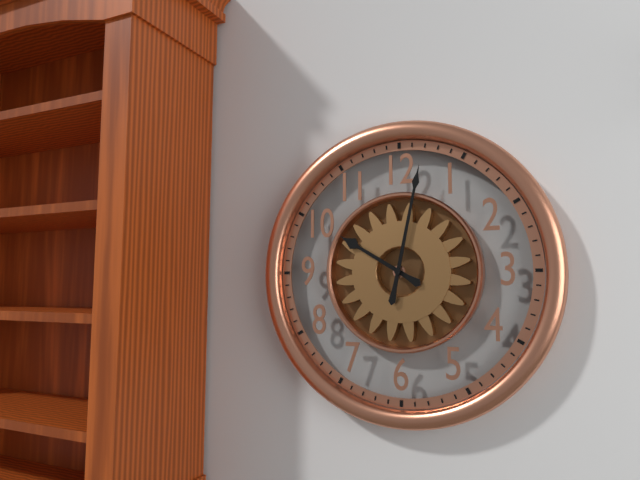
10 h 02 min
